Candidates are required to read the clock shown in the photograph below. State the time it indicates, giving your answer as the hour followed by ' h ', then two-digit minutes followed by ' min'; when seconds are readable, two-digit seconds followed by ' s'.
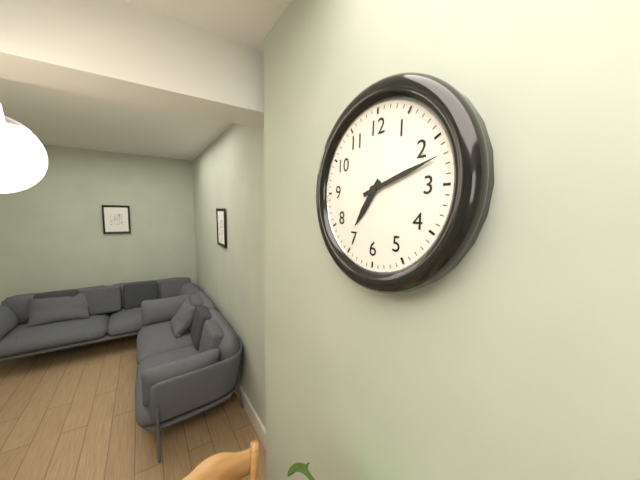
7 h 12 min
